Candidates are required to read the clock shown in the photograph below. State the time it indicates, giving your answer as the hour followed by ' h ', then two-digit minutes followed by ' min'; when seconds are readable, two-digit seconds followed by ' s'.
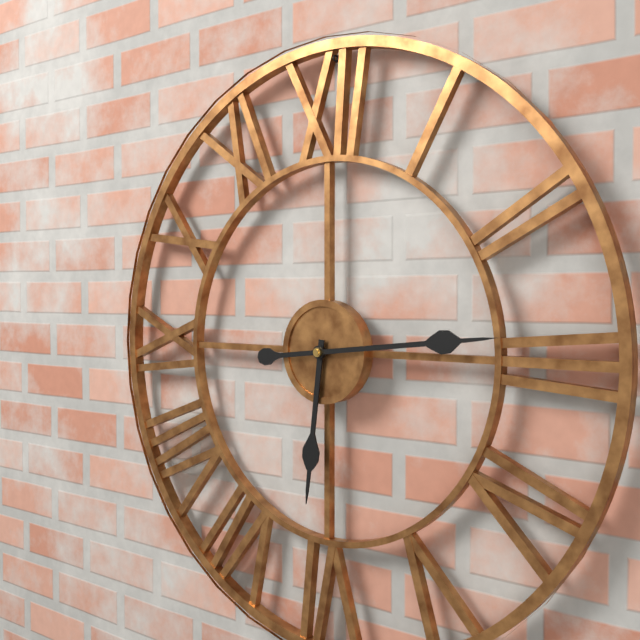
6 h 14 min
